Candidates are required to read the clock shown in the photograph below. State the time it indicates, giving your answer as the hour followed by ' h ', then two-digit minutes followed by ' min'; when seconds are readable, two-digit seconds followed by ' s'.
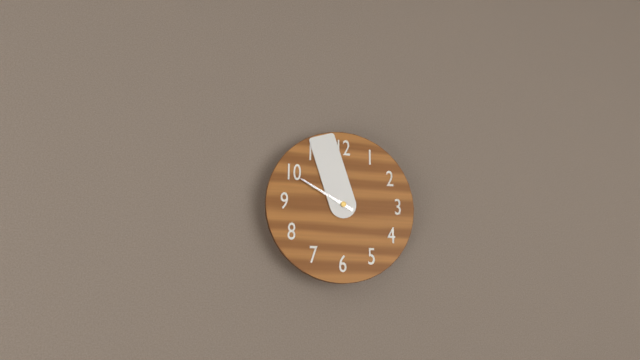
9 h 57 min
